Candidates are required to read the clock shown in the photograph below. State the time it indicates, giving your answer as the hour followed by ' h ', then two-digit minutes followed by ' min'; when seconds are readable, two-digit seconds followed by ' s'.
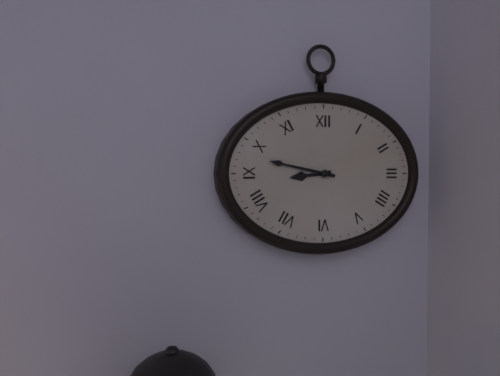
8 h 47 min
